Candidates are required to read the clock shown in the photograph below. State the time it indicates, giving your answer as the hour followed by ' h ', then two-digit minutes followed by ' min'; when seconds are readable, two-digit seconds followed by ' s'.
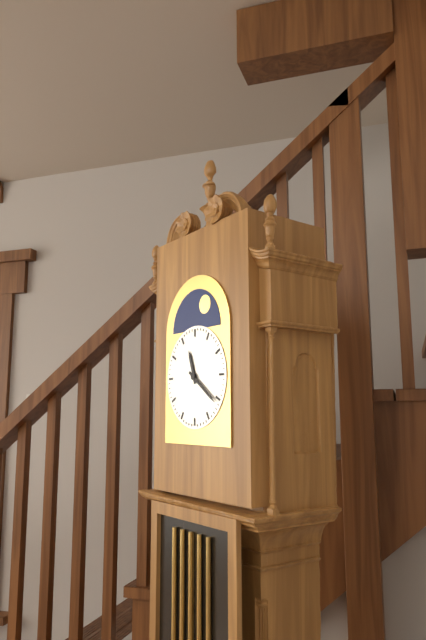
11 h 21 min
